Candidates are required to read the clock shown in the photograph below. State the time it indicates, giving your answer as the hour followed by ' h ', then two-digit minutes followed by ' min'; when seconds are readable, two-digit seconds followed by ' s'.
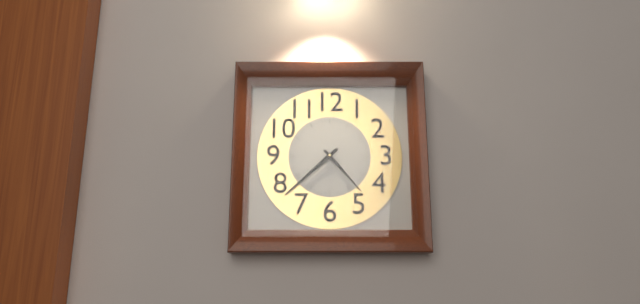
4 h 38 min
